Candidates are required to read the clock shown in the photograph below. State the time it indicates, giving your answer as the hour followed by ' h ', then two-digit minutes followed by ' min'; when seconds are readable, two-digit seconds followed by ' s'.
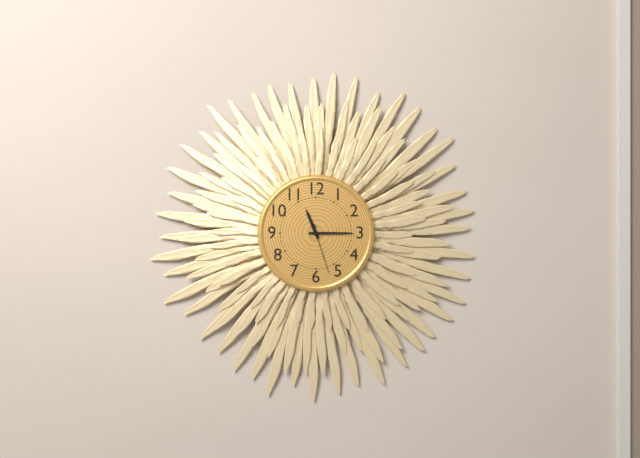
11 h 15 min 27 s
